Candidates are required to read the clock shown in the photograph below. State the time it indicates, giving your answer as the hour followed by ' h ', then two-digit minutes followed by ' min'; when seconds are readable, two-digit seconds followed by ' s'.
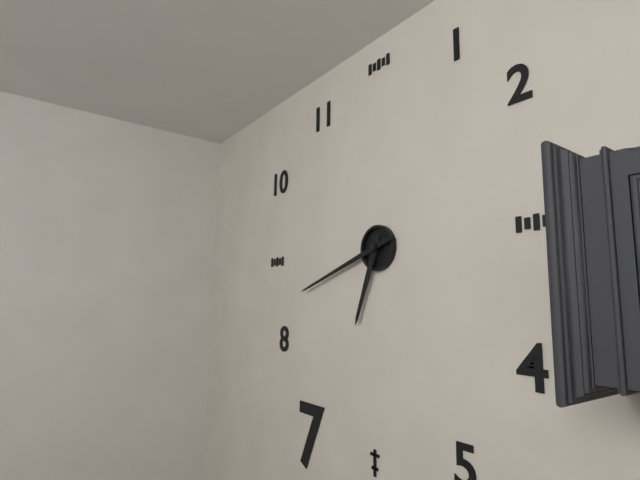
6 h 42 min
